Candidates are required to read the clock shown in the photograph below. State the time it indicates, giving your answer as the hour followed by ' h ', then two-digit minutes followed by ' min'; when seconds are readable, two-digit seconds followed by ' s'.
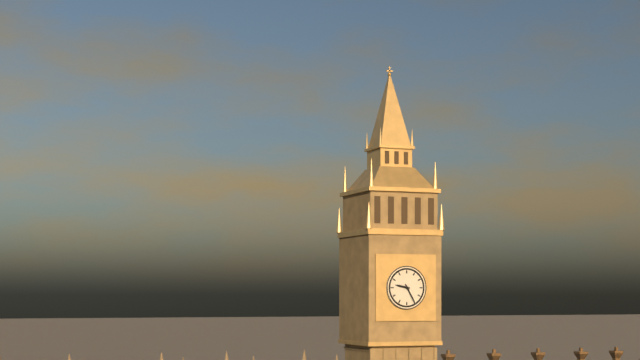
9 h 25 min
